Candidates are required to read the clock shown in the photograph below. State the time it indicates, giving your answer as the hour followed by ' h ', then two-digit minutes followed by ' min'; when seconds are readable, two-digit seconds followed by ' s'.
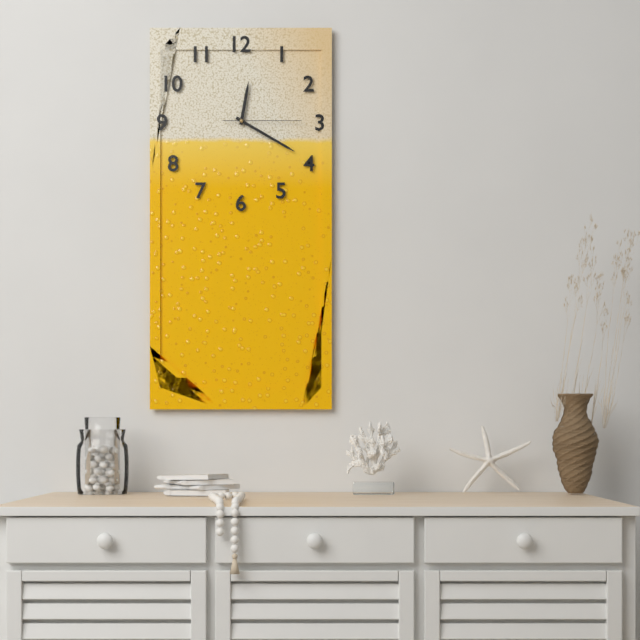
12 h 20 min 15 s
